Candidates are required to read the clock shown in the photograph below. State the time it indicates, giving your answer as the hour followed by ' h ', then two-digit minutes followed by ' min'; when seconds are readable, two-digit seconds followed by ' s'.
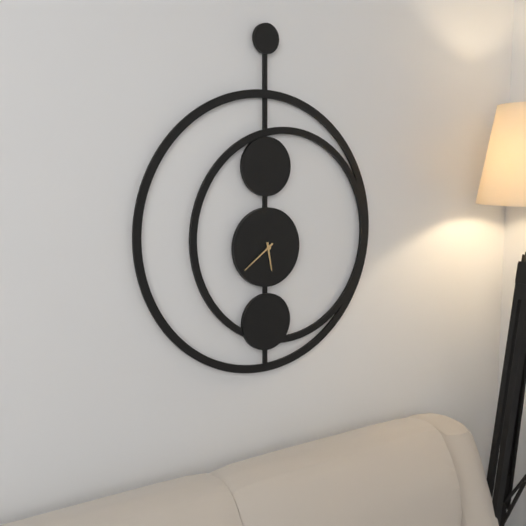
5 h 39 min
